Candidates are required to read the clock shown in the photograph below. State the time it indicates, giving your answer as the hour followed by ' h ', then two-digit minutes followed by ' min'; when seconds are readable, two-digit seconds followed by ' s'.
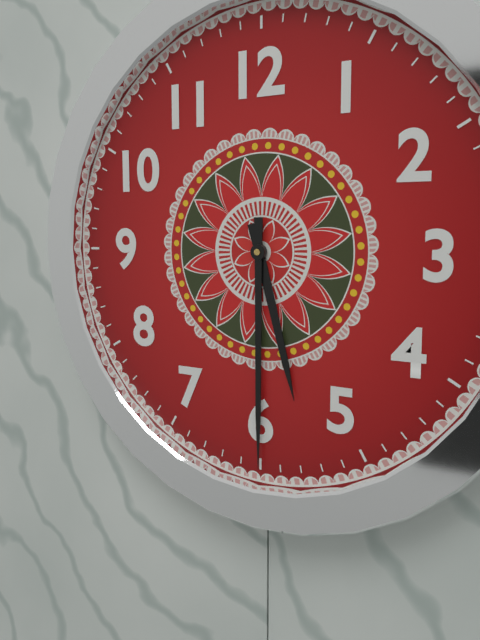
5 h 30 min
